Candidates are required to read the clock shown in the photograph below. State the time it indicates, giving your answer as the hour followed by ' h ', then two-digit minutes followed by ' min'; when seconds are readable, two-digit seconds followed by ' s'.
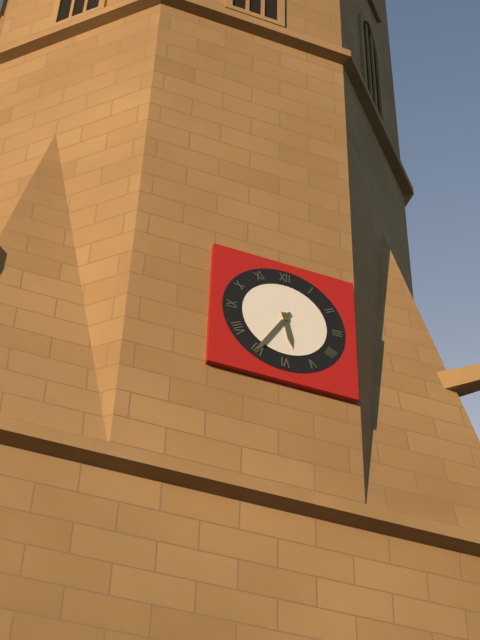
5 h 35 min
